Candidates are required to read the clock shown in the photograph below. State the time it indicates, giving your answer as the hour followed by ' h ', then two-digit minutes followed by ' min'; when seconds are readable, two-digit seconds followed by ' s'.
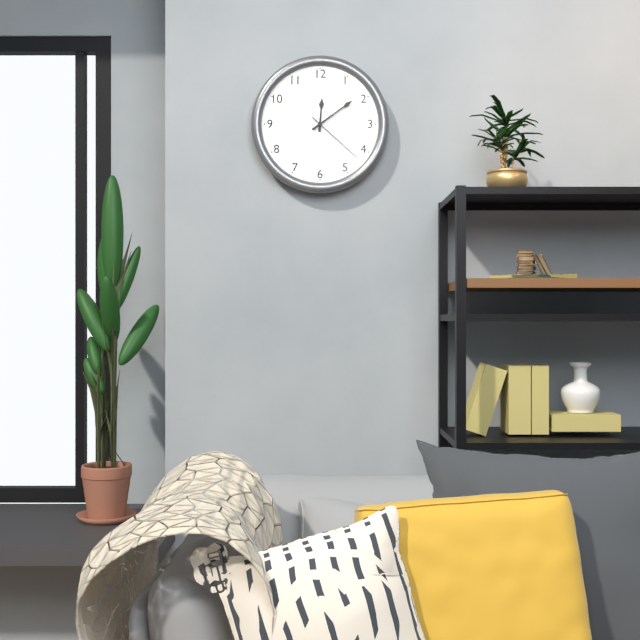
12 h 09 min 22 s
